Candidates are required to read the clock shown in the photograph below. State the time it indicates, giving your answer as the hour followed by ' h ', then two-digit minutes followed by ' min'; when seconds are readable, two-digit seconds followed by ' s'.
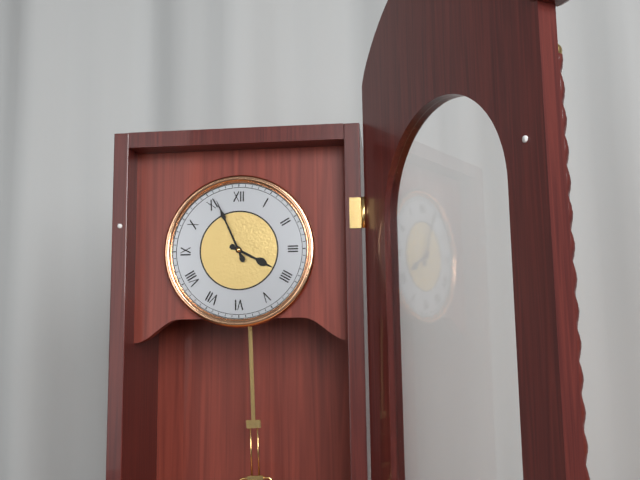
3 h 56 min
